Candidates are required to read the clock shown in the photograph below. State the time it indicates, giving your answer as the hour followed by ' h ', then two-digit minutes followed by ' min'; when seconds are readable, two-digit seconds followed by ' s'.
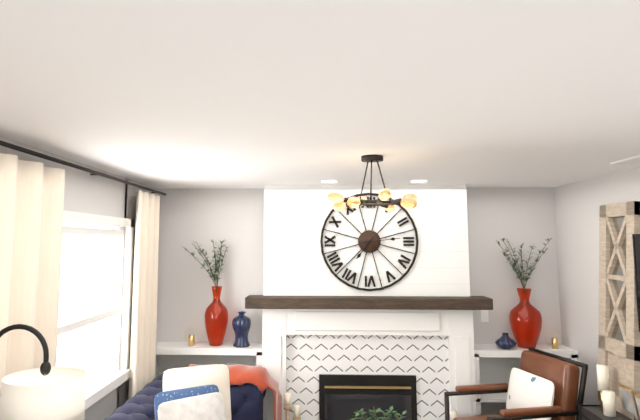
7 h 14 min
